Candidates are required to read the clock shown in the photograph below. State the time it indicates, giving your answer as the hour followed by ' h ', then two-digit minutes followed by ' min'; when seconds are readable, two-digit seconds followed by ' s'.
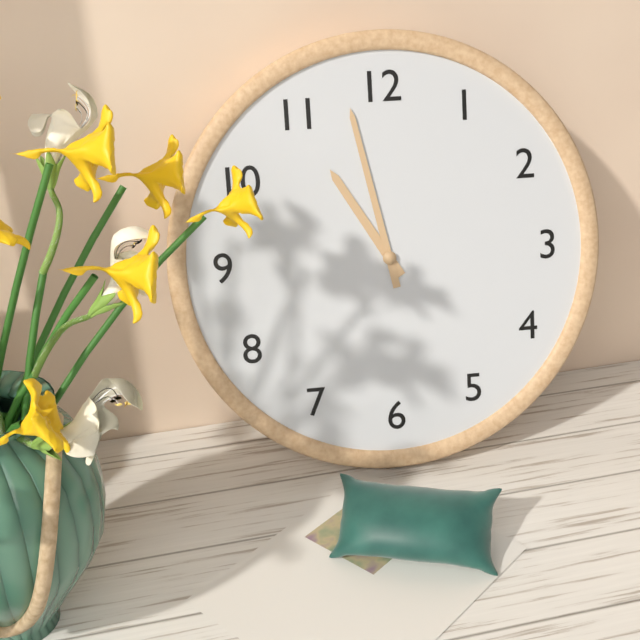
10 h 58 min
